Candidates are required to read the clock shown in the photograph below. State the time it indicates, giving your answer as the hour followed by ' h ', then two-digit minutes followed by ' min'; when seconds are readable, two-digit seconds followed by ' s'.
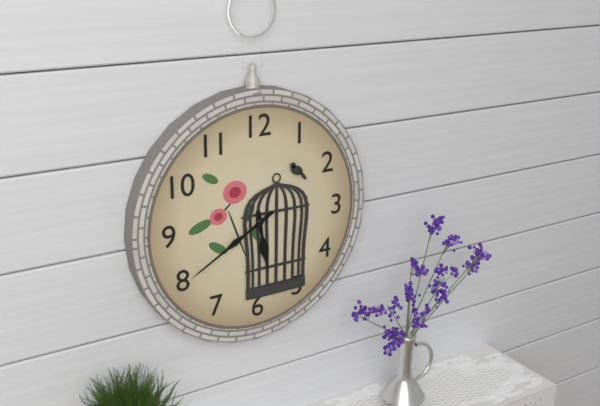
5 h 40 min
